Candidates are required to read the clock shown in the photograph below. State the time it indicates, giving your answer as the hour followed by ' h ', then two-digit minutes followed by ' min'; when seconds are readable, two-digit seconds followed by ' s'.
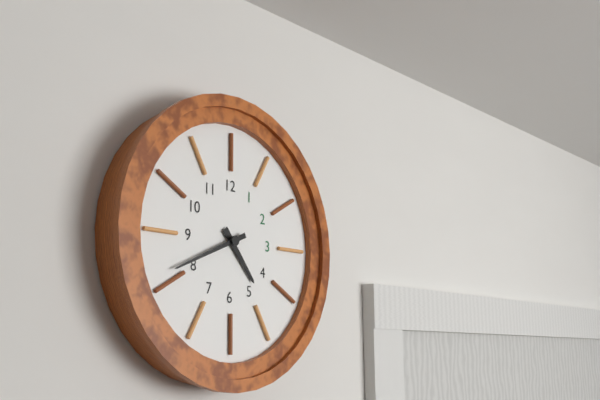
4 h 41 min
